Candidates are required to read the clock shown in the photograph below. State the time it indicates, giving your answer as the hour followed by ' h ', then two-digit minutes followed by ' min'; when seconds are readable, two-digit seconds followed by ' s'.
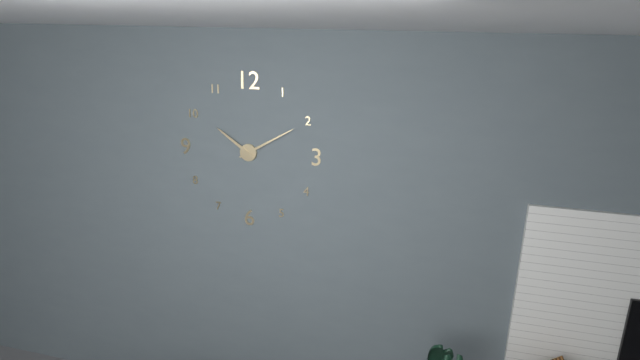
10 h 10 min
